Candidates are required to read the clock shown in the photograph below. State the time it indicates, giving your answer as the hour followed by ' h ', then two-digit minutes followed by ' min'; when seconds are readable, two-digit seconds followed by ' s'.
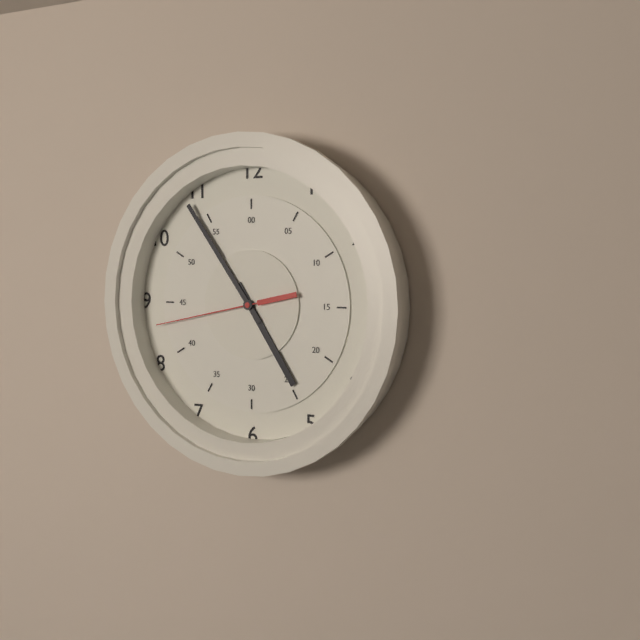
4 h 54 min 43 s
